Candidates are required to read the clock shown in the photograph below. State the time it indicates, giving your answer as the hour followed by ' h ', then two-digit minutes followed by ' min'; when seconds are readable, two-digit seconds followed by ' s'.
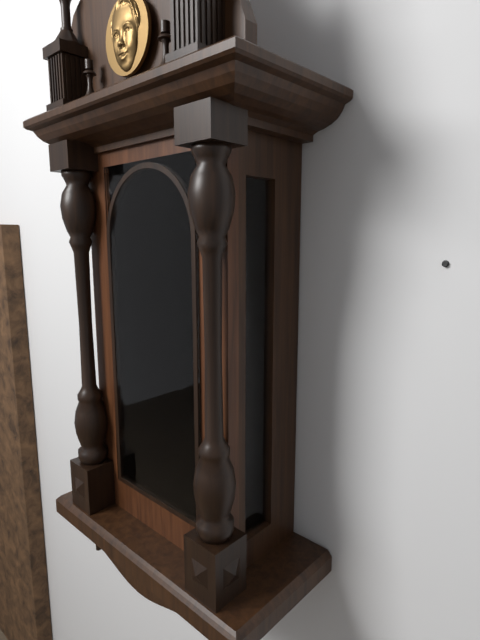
7 h 00 min
